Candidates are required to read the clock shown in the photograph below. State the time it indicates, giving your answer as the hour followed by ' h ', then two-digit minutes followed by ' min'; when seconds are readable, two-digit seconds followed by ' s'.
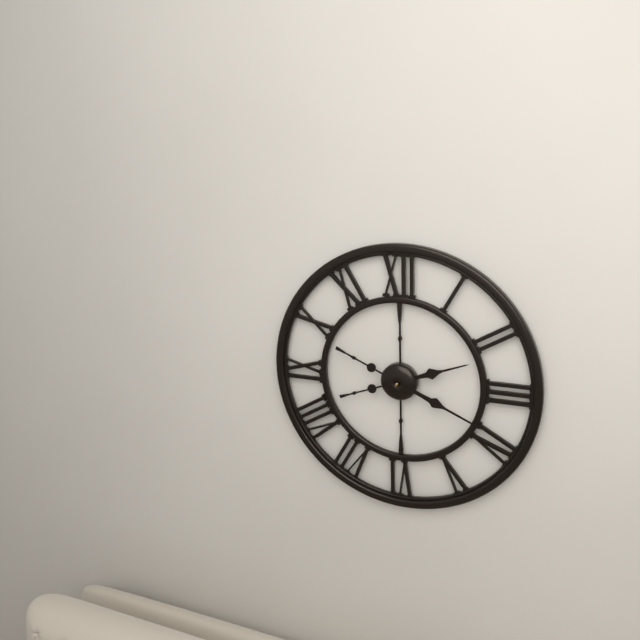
2 h 19 min
